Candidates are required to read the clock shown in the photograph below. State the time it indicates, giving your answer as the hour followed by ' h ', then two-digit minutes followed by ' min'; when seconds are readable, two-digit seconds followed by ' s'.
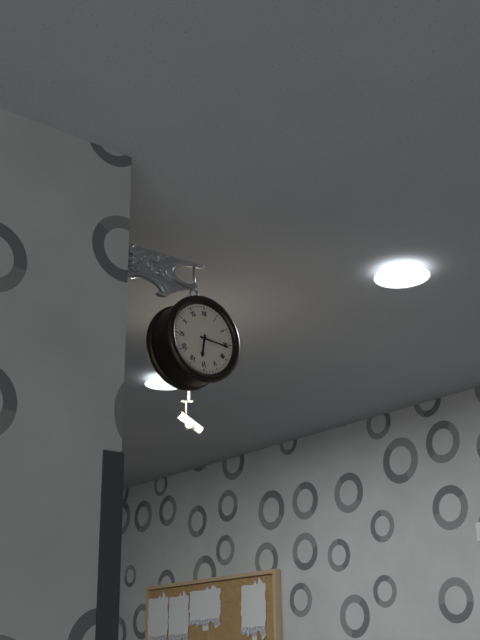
6 h 16 min
